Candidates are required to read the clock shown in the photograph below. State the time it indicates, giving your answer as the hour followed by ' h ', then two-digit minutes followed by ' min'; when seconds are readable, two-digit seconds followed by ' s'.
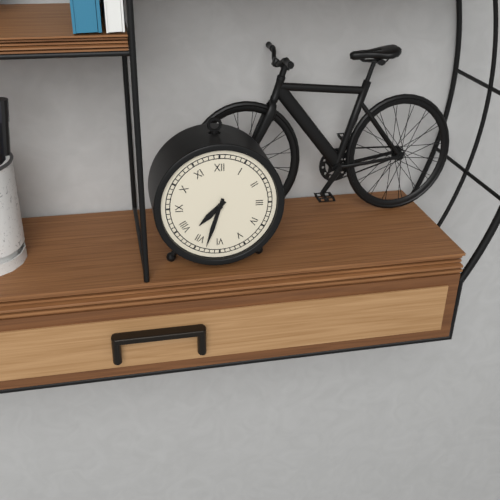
7 h 33 min
